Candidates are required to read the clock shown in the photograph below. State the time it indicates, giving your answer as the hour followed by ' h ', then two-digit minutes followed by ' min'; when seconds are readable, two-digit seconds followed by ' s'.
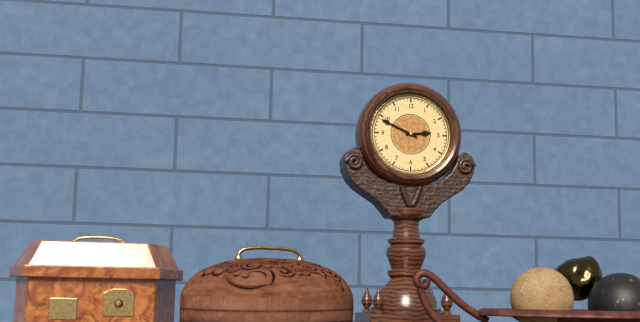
2 h 49 min
